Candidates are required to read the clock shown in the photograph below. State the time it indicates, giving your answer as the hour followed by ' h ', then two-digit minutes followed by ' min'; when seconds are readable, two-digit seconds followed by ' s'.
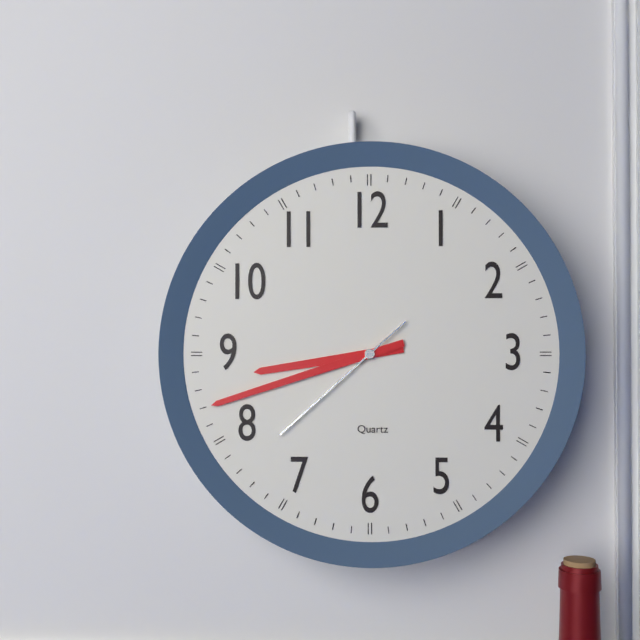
8 h 42 min 38 s
